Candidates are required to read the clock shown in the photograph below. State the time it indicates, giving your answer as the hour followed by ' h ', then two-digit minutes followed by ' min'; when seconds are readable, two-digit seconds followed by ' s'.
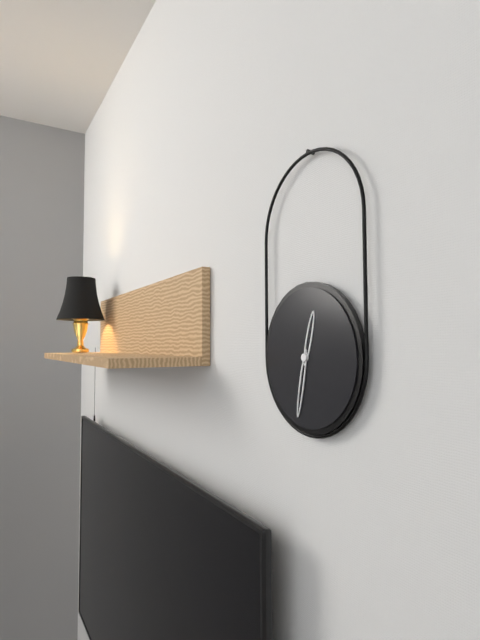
12 h 32 min
